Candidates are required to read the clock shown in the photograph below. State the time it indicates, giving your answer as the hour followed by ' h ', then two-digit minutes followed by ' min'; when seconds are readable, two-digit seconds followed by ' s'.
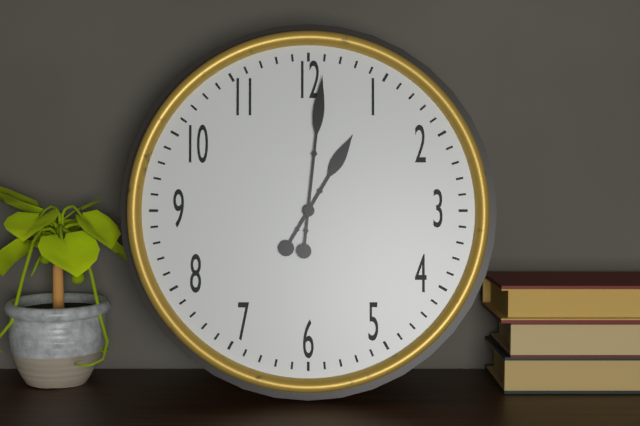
1 h 01 min
